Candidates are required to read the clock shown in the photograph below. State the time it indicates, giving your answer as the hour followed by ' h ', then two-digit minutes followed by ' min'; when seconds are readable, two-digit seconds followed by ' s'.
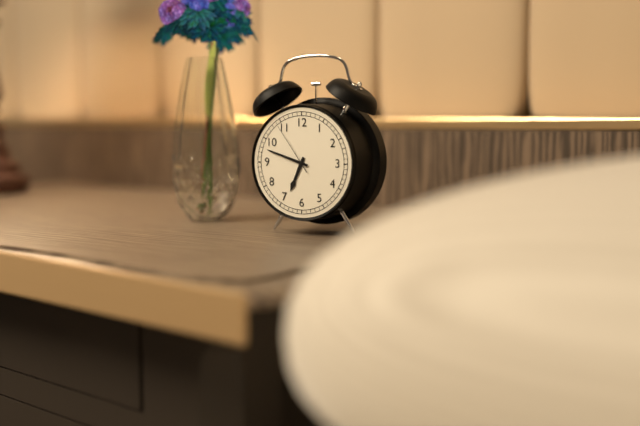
6 h 48 min 54 s
